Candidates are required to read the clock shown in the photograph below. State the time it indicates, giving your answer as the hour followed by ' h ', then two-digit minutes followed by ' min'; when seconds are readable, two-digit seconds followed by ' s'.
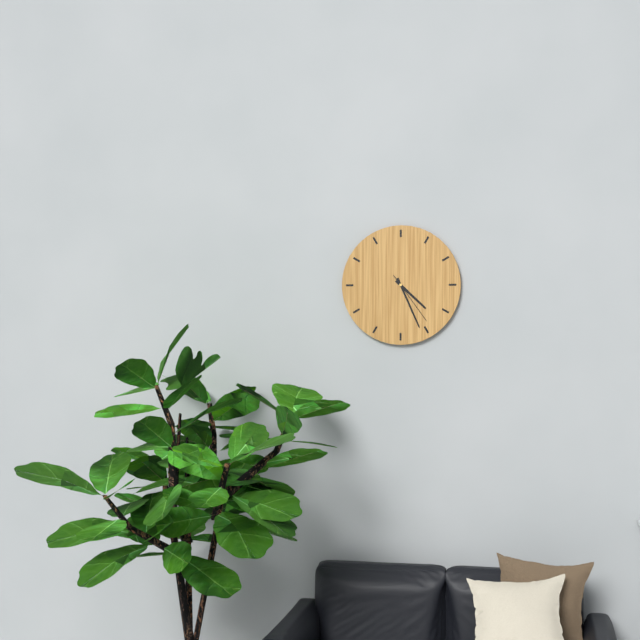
4 h 26 min 24 s
